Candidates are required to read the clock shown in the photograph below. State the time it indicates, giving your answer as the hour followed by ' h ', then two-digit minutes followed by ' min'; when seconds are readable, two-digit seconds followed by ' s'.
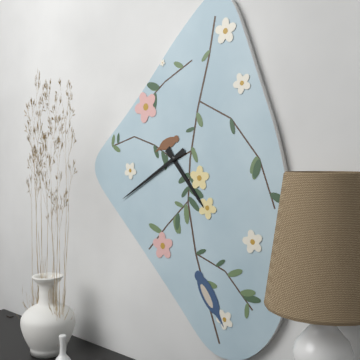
4 h 40 min
